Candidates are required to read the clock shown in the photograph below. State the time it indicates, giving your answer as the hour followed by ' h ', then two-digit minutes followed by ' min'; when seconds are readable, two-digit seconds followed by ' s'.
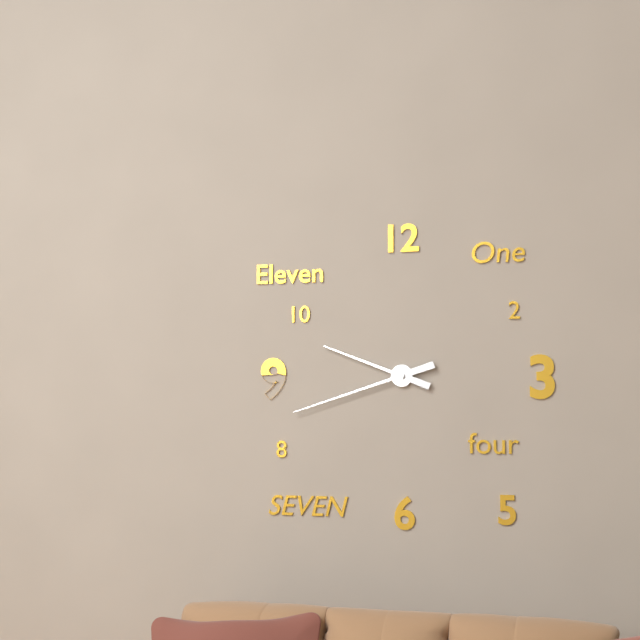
9 h 42 min
